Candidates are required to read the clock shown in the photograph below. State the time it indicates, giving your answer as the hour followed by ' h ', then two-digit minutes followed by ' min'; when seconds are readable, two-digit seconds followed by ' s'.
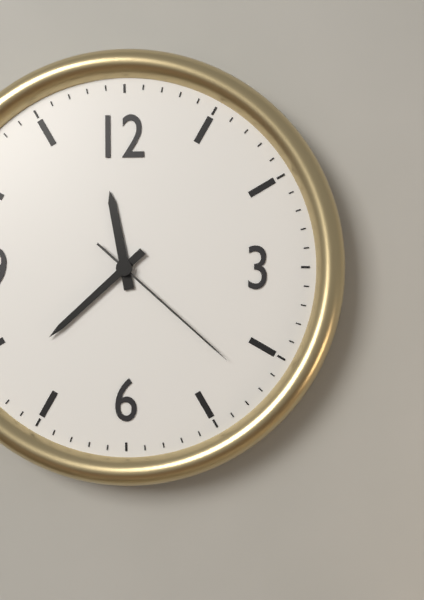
11 h 38 min 22 s
